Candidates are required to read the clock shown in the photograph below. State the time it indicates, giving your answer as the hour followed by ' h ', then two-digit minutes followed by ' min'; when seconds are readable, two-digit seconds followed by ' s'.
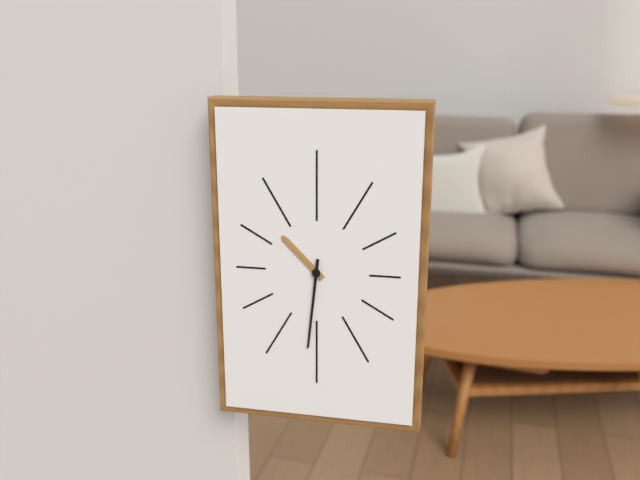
10 h 31 min
